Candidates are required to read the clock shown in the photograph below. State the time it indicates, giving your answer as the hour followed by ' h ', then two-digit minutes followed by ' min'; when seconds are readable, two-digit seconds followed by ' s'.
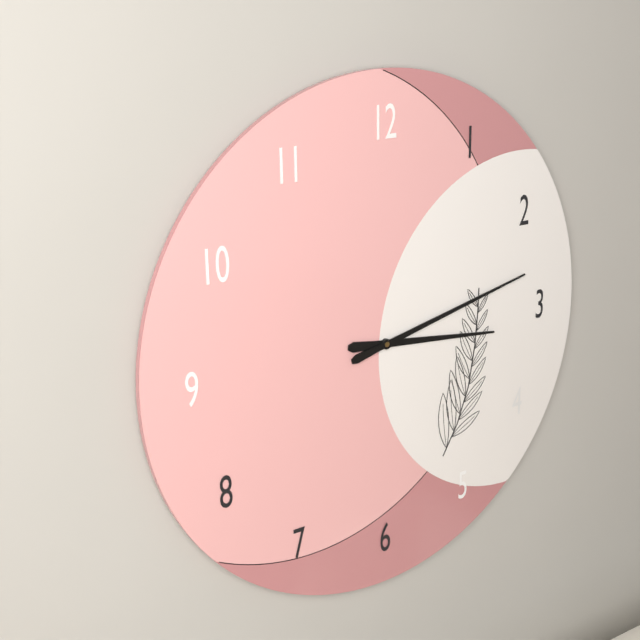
3 h 13 min
